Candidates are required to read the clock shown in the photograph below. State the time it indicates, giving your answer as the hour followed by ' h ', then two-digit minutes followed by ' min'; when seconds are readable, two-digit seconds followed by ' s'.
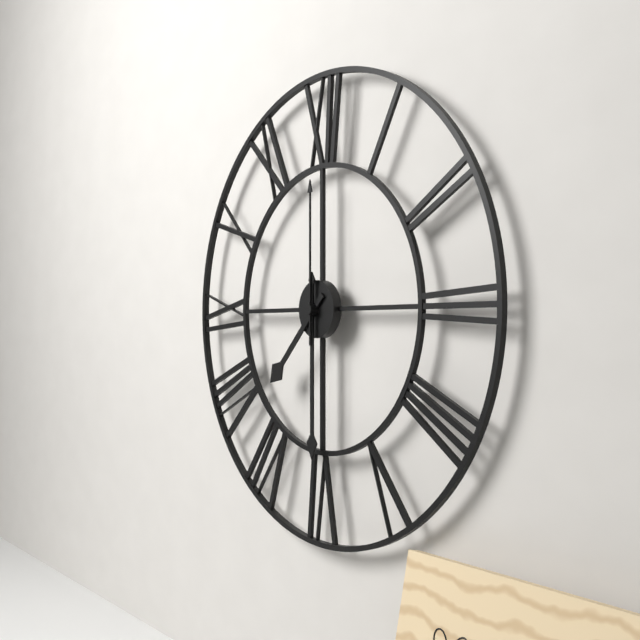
7 h 30 min 00 s
